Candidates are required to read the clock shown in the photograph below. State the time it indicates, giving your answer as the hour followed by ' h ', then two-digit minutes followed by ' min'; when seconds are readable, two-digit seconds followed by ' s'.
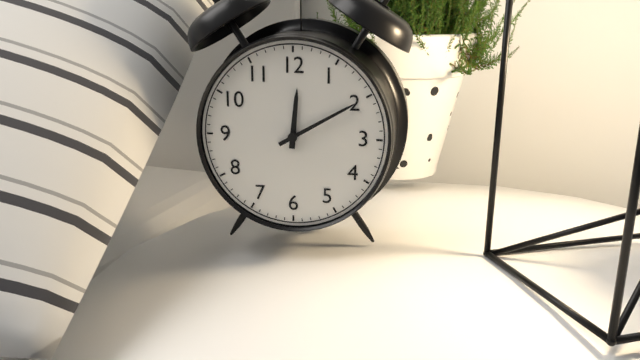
12 h 10 min
